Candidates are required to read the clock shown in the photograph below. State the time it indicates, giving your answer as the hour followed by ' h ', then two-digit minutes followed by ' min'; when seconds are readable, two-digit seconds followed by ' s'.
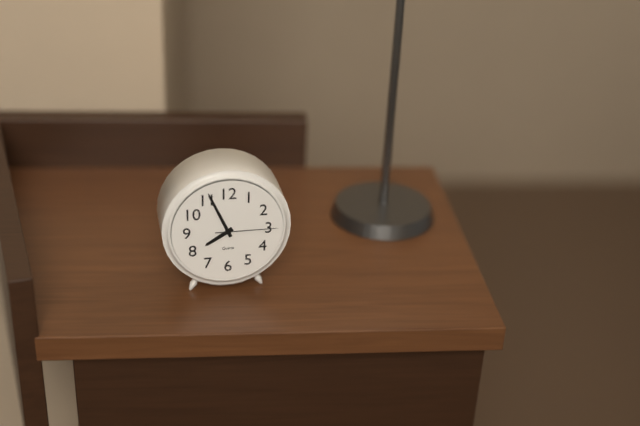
7 h 56 min 15 s
